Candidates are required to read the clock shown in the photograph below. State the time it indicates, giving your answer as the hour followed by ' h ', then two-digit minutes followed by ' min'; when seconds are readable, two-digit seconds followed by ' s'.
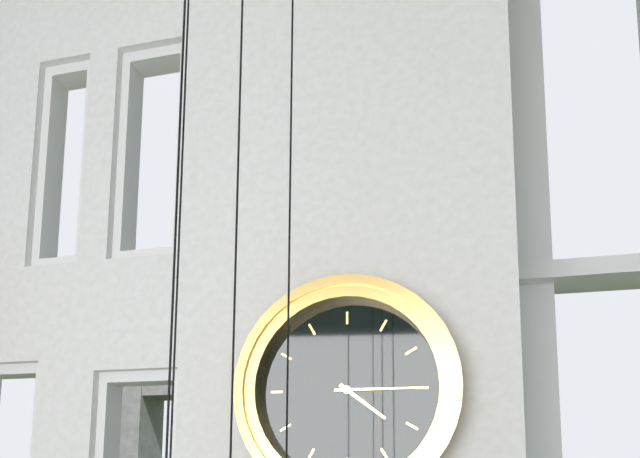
4 h 15 min
